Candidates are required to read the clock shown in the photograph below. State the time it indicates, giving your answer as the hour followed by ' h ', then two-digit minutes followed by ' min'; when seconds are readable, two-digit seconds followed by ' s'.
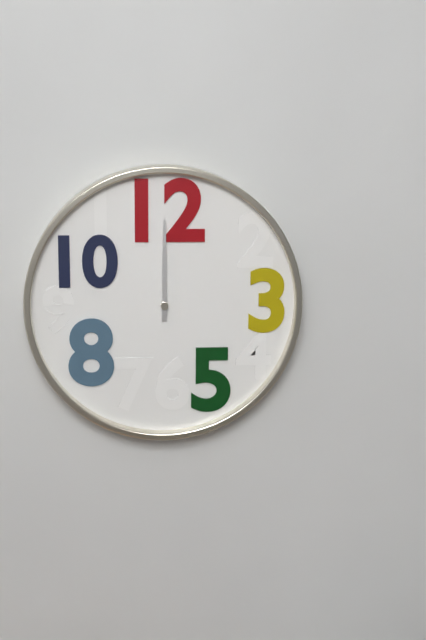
12 h 00 min
